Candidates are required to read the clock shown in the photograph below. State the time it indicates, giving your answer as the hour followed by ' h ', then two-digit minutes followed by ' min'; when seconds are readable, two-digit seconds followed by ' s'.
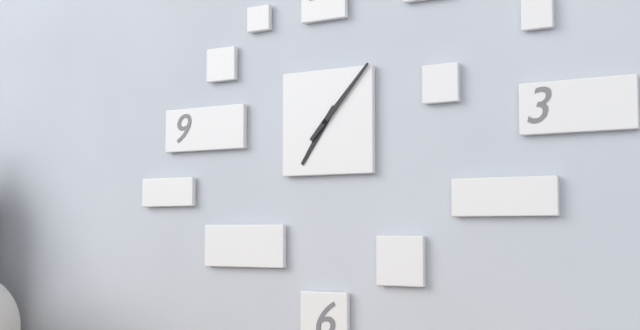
7 h 07 min
